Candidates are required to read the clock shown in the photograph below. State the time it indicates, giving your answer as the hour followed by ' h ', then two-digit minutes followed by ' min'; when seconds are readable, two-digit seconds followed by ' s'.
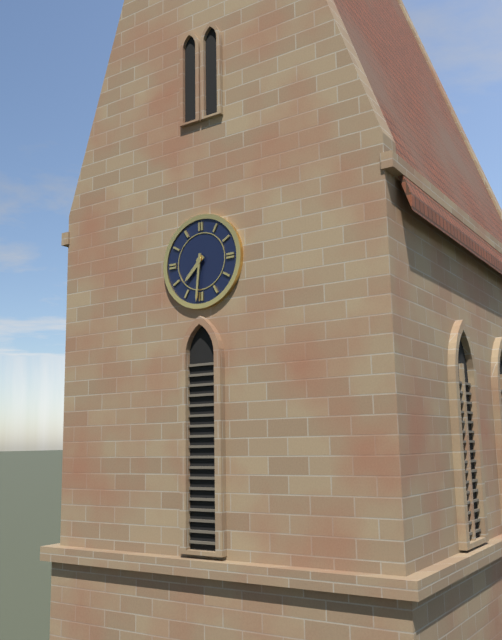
7 h 31 min
